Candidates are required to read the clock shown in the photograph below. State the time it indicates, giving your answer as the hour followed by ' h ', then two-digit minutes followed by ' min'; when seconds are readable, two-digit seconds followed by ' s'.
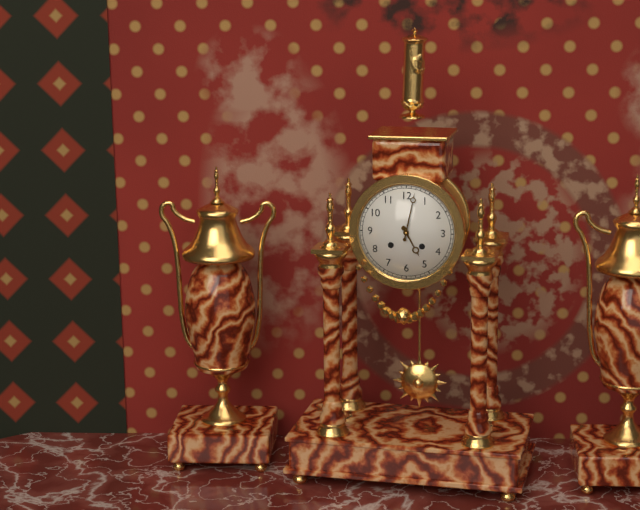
5 h 02 min
